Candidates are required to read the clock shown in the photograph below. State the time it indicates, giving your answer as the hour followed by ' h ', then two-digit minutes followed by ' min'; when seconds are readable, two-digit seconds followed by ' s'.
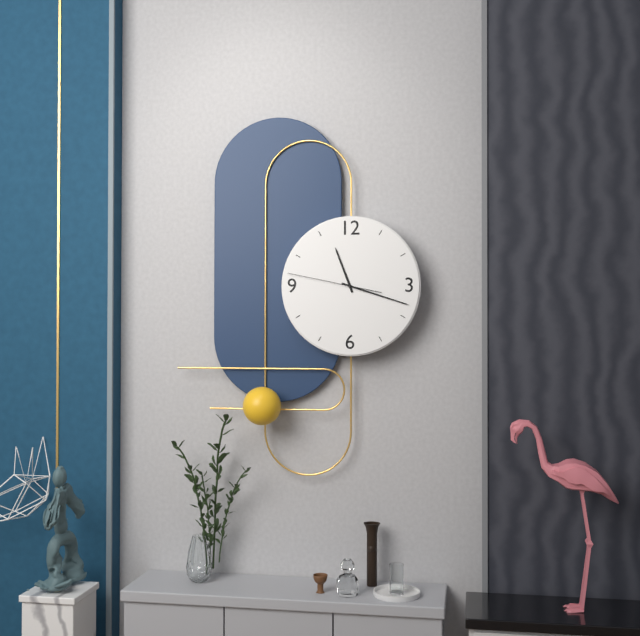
11 h 18 min 47 s
